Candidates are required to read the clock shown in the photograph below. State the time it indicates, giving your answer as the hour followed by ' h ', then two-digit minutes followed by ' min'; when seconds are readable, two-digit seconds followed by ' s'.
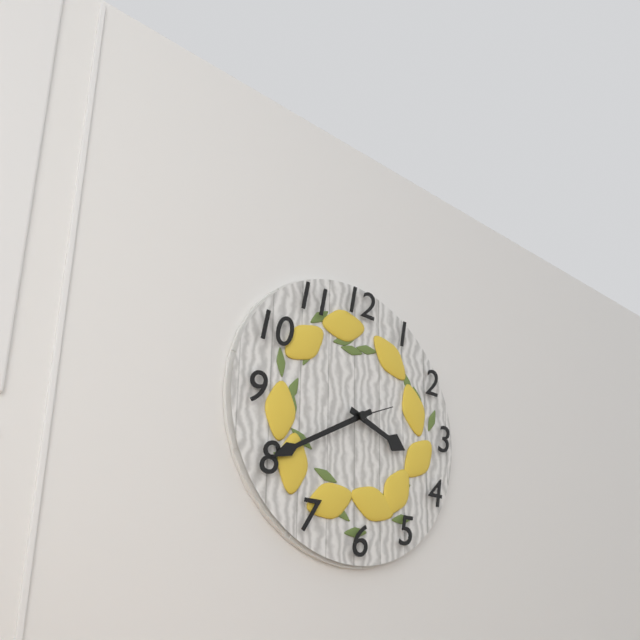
3 h 40 min
